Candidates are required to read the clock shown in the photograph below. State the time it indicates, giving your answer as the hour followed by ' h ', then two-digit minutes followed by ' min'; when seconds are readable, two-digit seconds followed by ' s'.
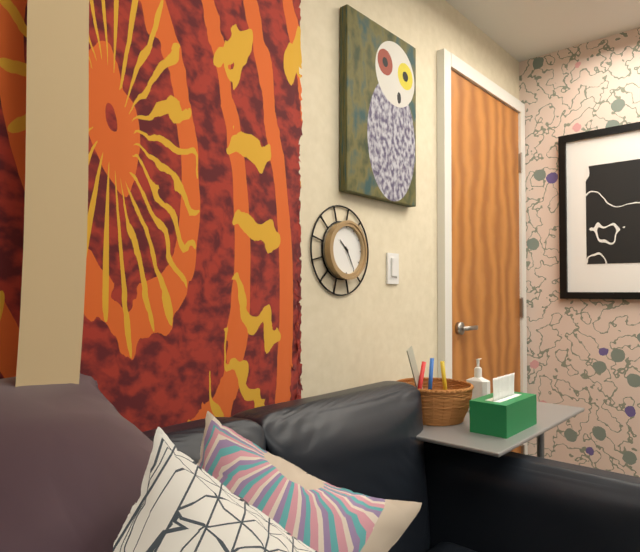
10 h 25 min
